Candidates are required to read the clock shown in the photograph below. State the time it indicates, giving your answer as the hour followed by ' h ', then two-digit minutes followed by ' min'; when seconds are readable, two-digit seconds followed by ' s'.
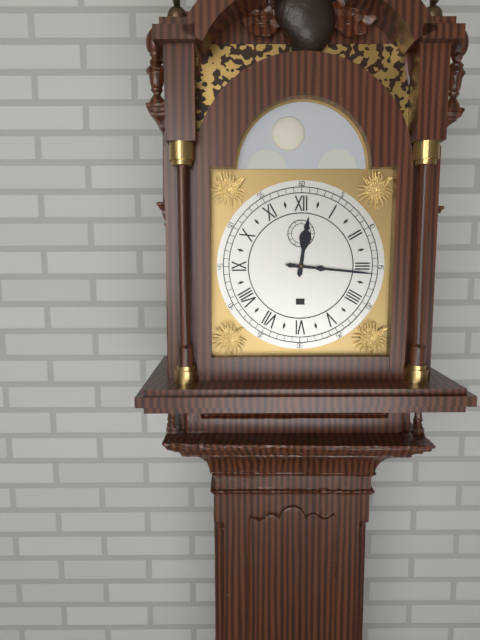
12 h 16 min
